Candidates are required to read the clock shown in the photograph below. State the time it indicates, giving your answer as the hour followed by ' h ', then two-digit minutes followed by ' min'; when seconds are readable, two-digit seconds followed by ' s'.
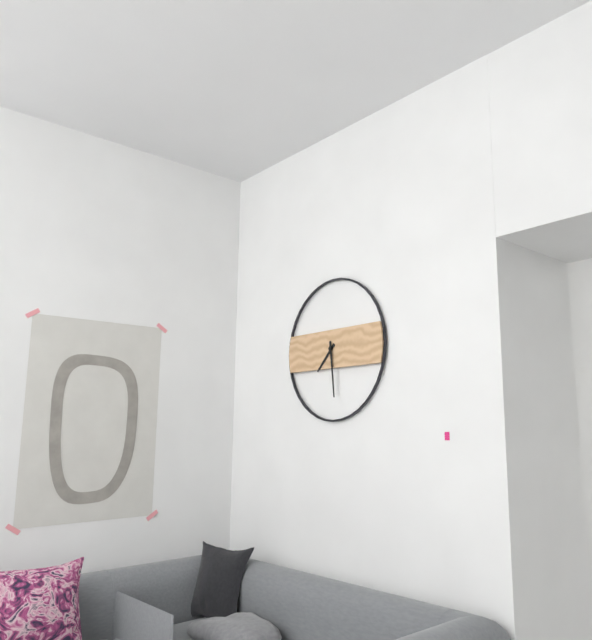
7 h 29 min
